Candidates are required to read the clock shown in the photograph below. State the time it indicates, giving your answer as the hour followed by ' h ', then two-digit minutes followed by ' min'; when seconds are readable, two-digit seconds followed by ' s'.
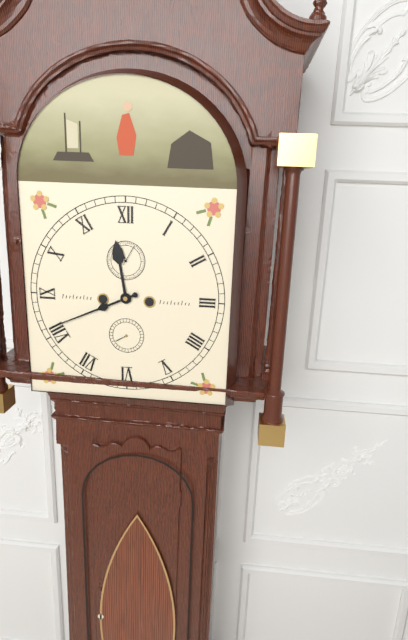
11 h 41 min
